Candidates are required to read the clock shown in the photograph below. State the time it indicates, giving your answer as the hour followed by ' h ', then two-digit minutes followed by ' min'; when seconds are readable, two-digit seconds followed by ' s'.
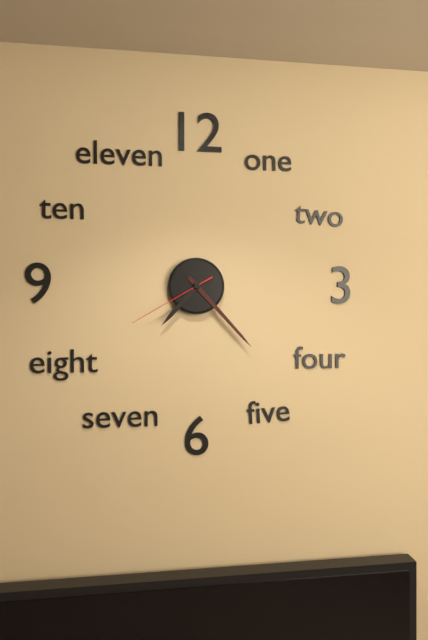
7 h 23 min 40 s
